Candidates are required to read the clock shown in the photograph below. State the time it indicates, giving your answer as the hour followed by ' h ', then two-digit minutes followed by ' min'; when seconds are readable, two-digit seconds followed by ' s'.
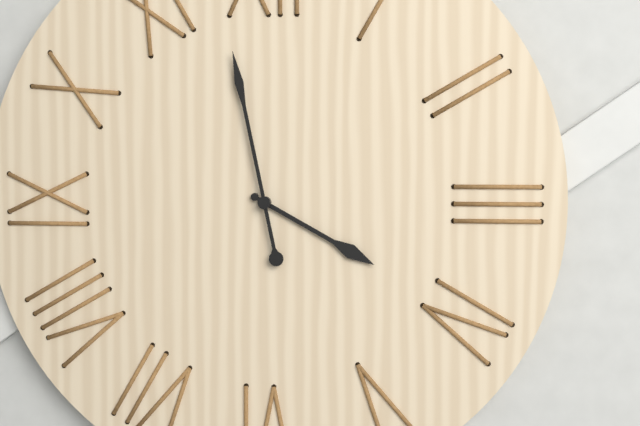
3 h 58 min
